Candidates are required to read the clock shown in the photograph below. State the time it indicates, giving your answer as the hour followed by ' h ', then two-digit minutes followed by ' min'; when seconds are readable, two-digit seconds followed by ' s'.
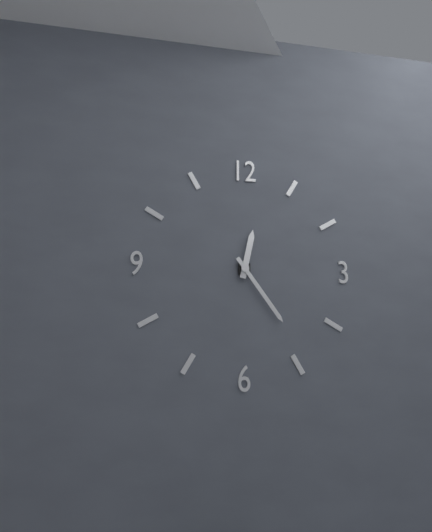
12 h 24 min
